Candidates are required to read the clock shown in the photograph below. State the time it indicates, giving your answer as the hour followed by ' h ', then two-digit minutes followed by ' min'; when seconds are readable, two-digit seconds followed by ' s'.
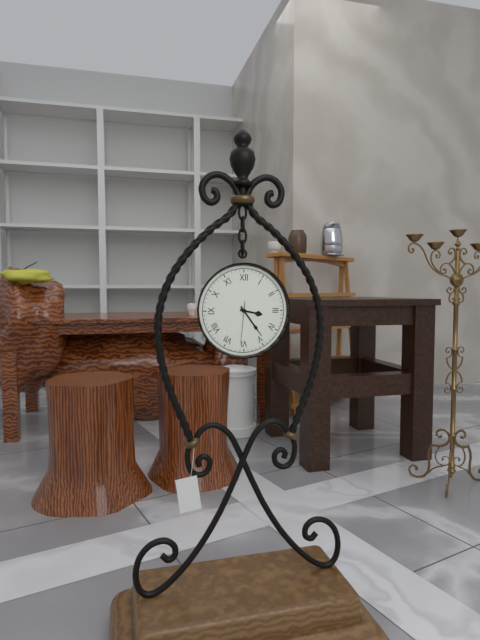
3 h 24 min
